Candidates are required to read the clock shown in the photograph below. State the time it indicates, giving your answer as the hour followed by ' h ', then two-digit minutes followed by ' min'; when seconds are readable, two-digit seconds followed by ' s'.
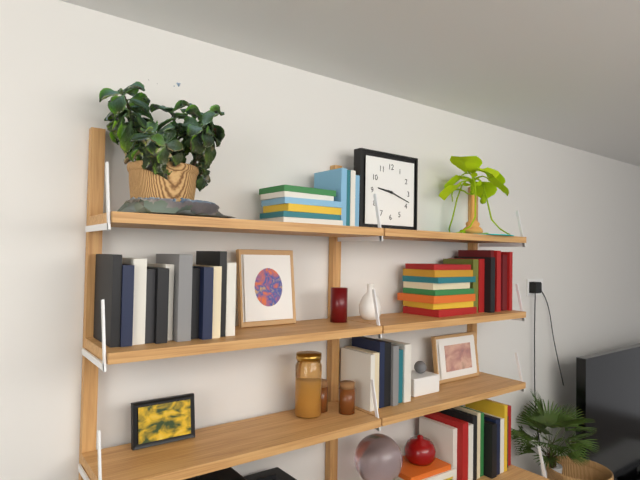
9 h 18 min
